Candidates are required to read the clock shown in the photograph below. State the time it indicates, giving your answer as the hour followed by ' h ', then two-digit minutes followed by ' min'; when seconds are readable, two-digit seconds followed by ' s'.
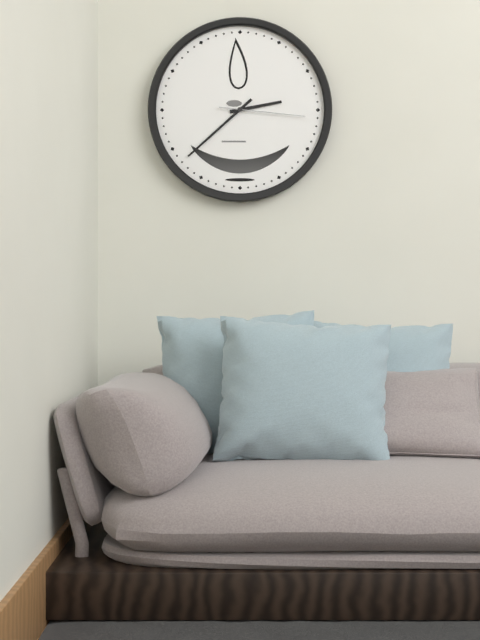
2 h 38 min 16 s
